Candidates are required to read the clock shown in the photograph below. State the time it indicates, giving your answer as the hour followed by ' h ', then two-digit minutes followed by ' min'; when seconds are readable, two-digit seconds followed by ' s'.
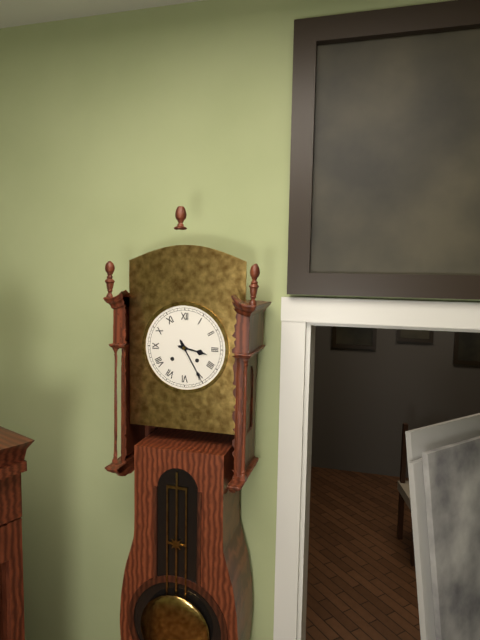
3 h 25 min
